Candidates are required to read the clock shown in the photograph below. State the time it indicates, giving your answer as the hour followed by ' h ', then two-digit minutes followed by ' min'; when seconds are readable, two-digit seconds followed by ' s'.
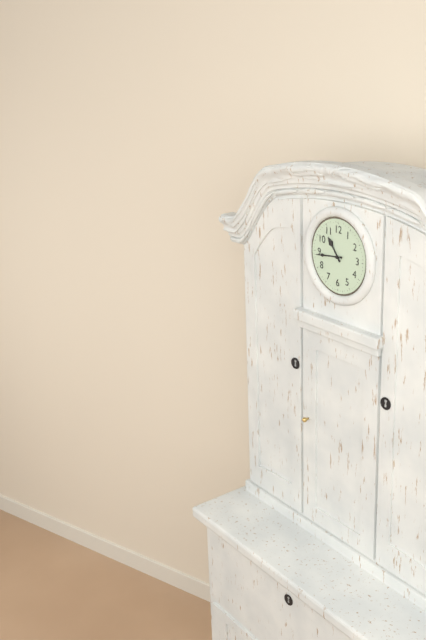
10 h 44 min
